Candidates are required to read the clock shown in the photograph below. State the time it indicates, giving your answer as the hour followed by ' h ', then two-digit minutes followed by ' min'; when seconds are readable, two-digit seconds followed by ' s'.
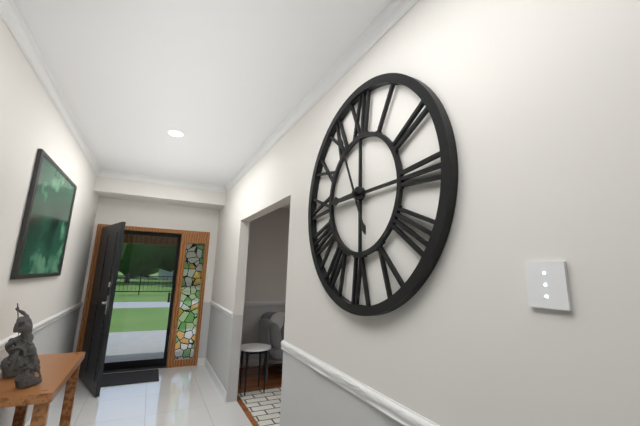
8 h 56 min
